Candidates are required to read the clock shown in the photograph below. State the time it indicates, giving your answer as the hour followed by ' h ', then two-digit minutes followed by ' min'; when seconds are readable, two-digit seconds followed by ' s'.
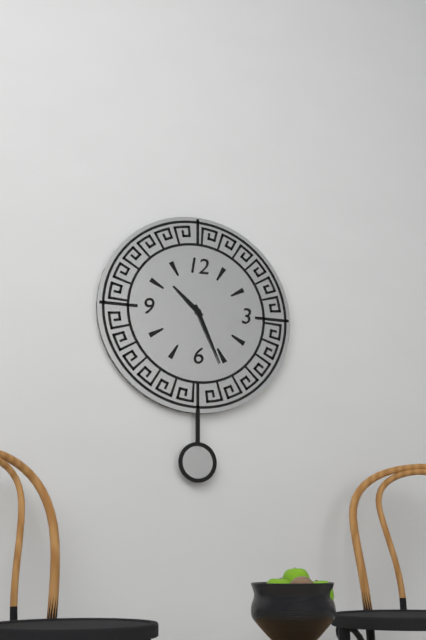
10 h 26 min
